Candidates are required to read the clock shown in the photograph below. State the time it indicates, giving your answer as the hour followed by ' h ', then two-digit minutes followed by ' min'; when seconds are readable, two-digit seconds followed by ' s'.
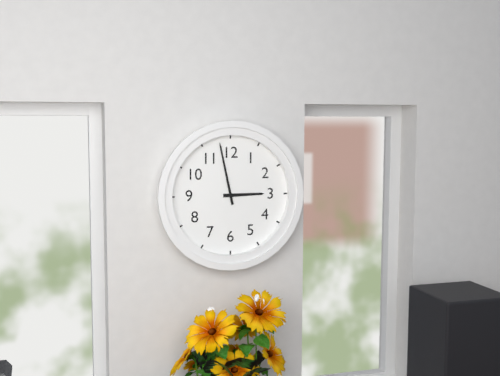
2 h 58 min
